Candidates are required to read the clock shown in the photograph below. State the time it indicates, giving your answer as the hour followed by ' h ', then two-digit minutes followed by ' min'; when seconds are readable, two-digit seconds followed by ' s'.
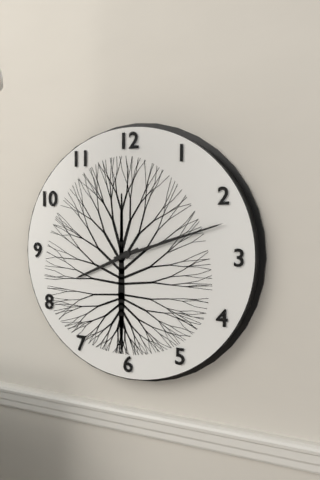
8 h 12 min
